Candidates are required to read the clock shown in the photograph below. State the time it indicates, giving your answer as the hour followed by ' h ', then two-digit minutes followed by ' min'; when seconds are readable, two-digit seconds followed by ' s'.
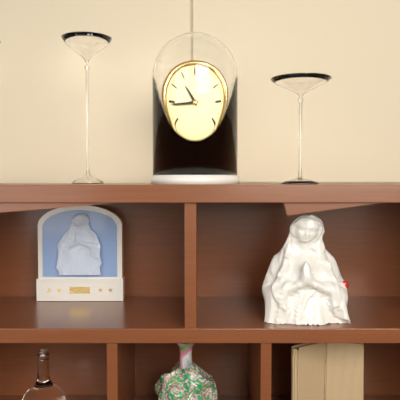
10 h 44 min
